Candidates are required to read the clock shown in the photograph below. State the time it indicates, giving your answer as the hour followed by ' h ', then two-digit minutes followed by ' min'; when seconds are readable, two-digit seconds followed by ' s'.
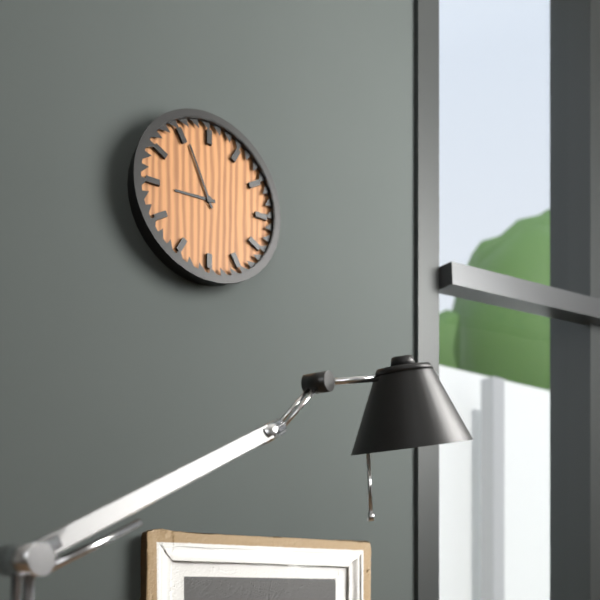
8 h 56 min
